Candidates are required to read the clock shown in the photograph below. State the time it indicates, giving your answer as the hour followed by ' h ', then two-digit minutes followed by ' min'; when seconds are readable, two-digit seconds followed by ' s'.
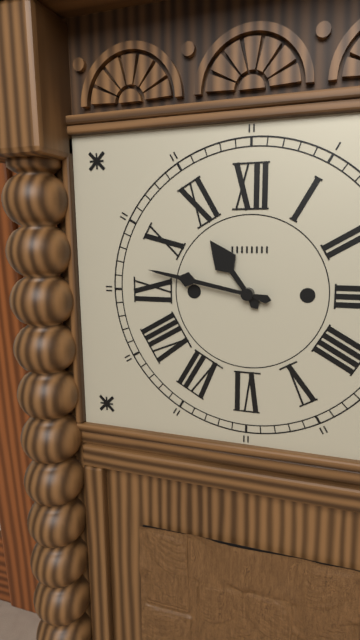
10 h 47 min
